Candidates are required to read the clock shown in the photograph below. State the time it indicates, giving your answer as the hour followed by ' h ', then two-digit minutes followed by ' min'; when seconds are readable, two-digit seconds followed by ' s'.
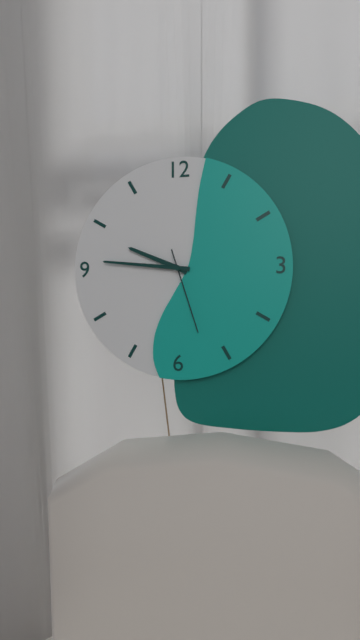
9 h 46 min 27 s
